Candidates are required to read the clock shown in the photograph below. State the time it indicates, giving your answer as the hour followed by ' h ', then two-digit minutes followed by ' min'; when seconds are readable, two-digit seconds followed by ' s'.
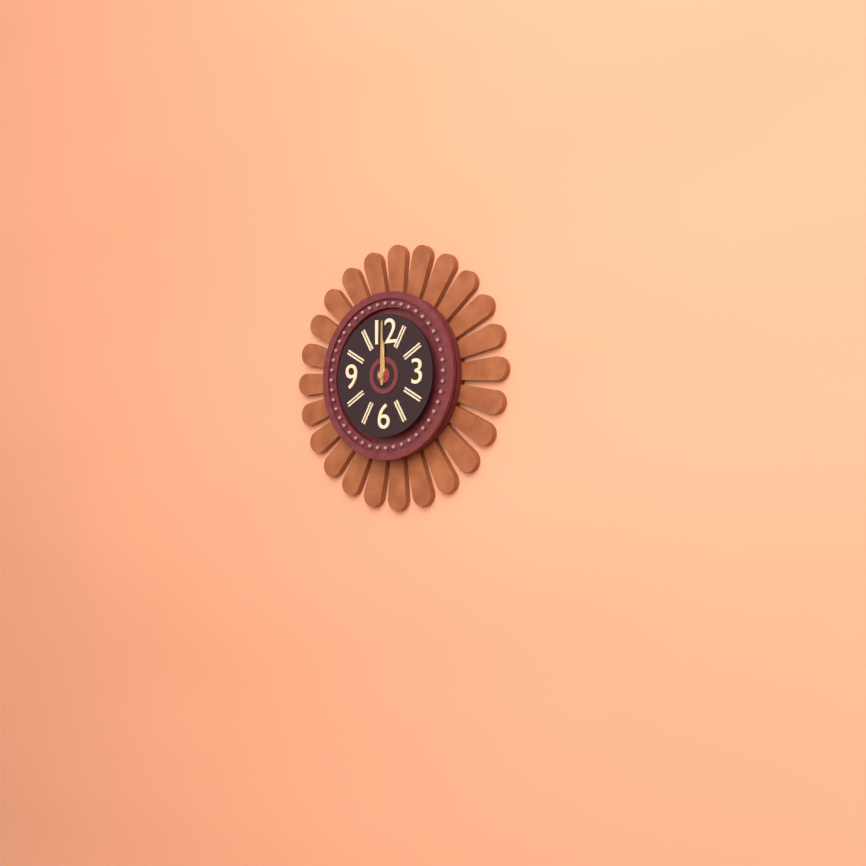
12 h 00 min
